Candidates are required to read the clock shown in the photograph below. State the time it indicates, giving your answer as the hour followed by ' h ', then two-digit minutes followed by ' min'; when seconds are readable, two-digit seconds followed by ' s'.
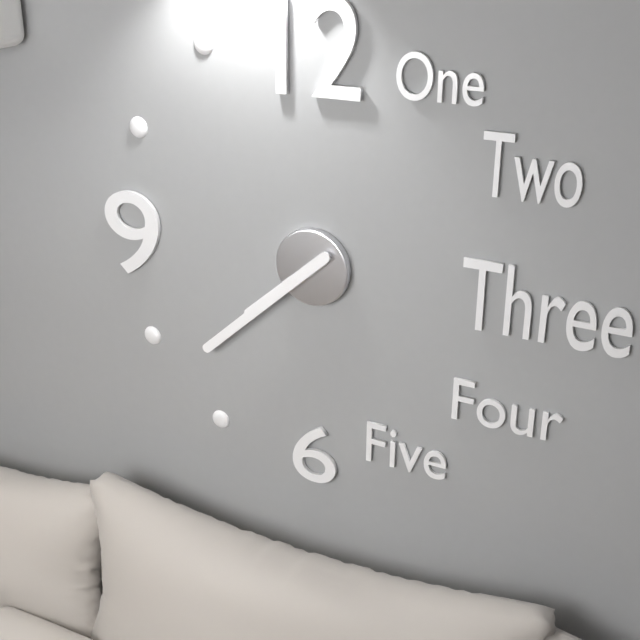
7 h 38 min
